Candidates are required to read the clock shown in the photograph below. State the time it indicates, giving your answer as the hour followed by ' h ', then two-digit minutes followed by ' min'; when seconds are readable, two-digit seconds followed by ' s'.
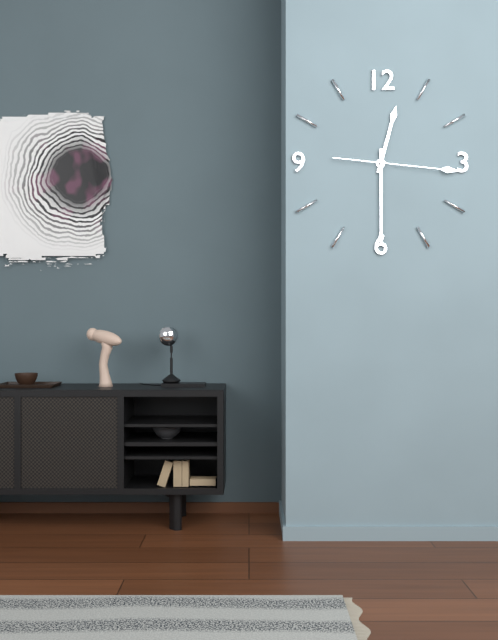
12 h 30 min 16 s
